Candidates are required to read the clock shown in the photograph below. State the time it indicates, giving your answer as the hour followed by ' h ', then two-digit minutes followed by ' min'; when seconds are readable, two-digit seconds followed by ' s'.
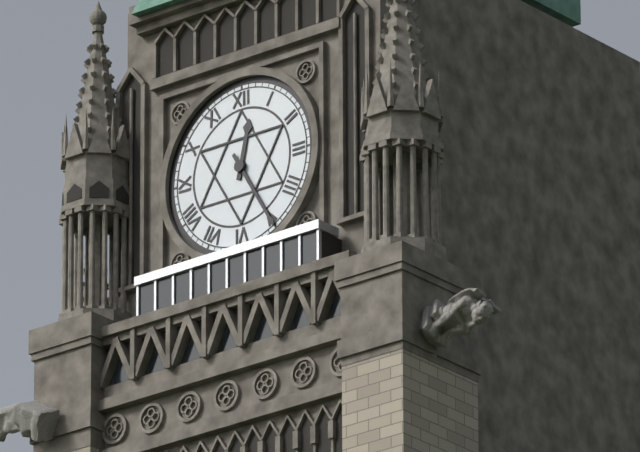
12 h 25 min
